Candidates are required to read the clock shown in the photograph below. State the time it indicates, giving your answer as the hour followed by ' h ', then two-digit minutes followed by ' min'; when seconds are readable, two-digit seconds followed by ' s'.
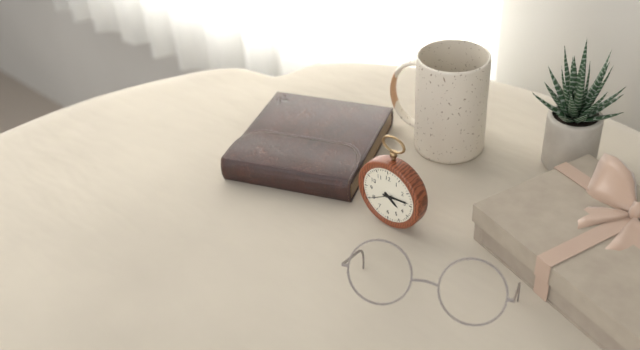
4 h 14 min
